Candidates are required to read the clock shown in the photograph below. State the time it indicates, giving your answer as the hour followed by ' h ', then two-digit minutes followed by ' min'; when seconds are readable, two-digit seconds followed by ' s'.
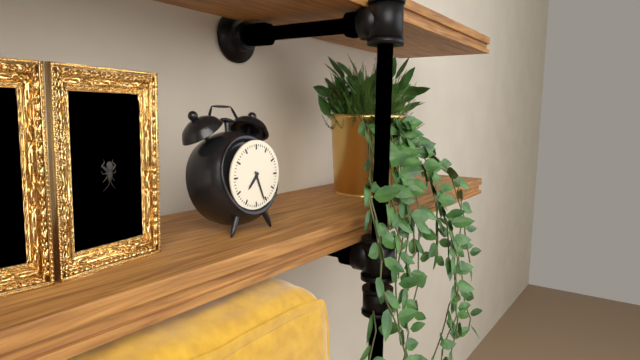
7 h 26 min
